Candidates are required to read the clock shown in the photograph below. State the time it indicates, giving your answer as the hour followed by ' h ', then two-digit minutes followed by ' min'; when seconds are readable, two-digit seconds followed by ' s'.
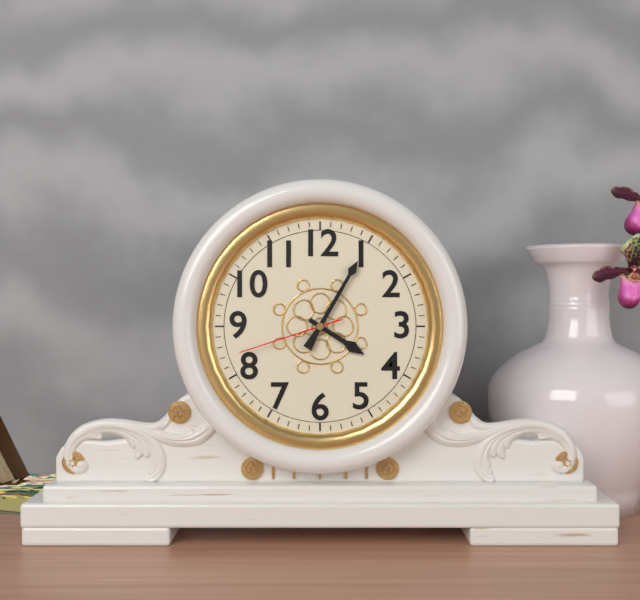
4 h 05 min 42 s
